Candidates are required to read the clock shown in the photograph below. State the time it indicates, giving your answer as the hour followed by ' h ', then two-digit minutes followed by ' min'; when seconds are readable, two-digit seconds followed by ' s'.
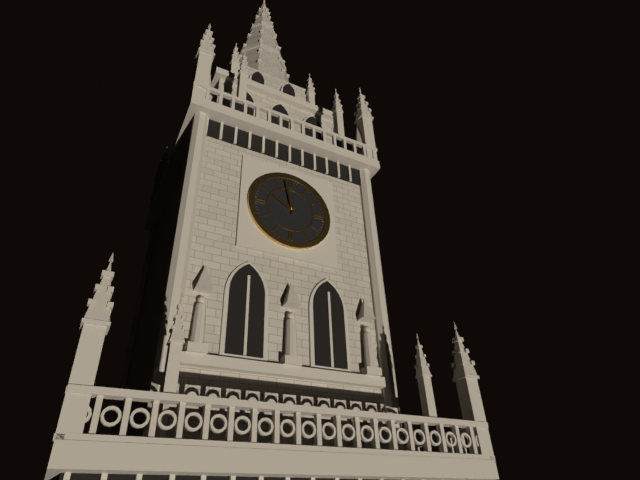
9 h 58 min
